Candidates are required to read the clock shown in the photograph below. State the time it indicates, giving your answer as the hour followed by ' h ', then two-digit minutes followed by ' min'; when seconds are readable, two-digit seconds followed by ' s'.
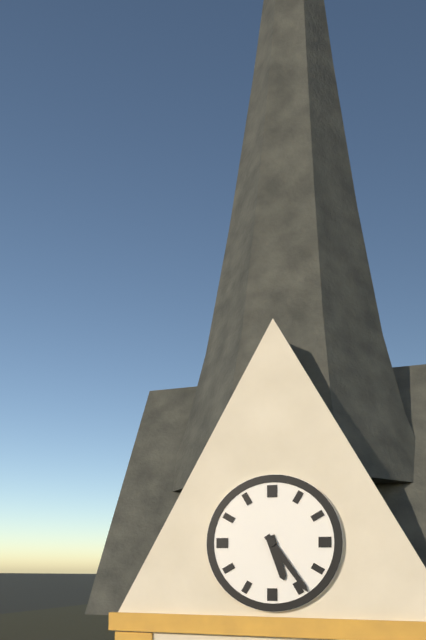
5 h 24 min
